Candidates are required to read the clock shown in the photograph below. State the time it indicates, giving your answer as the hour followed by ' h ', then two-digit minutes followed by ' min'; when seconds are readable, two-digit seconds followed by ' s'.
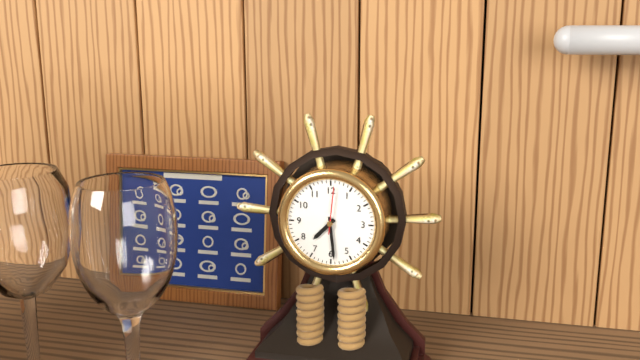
7 h 29 min
